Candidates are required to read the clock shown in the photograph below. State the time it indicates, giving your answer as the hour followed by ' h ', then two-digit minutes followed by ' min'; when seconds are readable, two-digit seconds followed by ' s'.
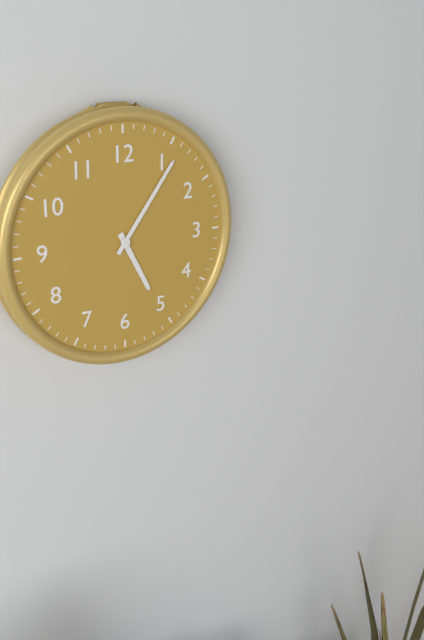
5 h 06 min
